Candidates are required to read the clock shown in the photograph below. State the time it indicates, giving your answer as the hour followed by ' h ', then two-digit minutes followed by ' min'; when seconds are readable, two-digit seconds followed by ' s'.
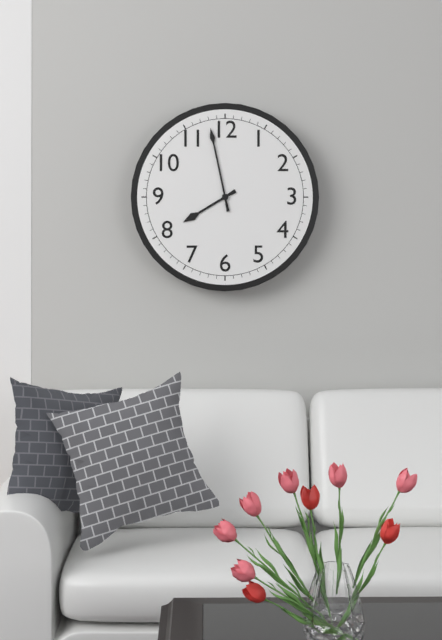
7 h 58 min
